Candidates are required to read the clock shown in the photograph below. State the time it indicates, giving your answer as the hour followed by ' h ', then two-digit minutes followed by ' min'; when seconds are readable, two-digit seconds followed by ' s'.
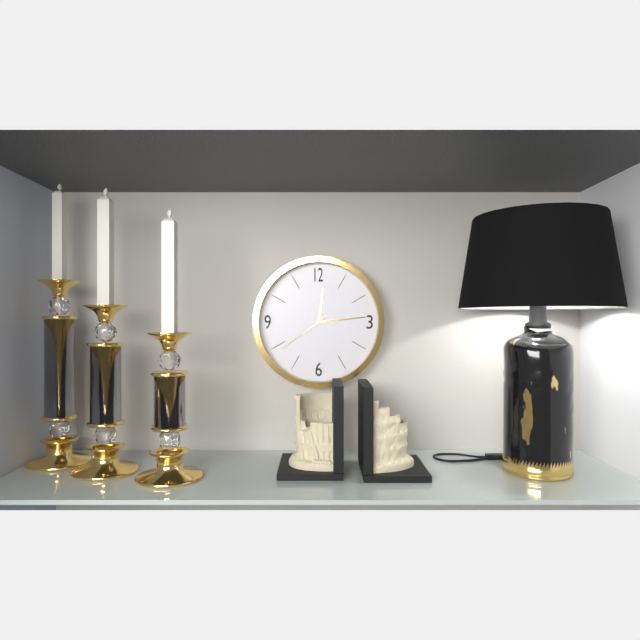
12 h 14 min 39 s
